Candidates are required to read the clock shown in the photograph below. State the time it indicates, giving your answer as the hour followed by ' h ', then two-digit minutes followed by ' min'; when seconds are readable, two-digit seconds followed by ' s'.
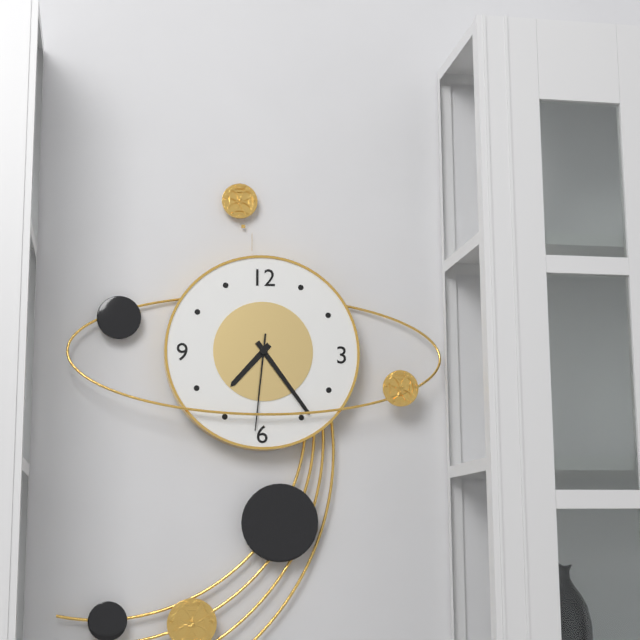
7 h 24 min 31 s
